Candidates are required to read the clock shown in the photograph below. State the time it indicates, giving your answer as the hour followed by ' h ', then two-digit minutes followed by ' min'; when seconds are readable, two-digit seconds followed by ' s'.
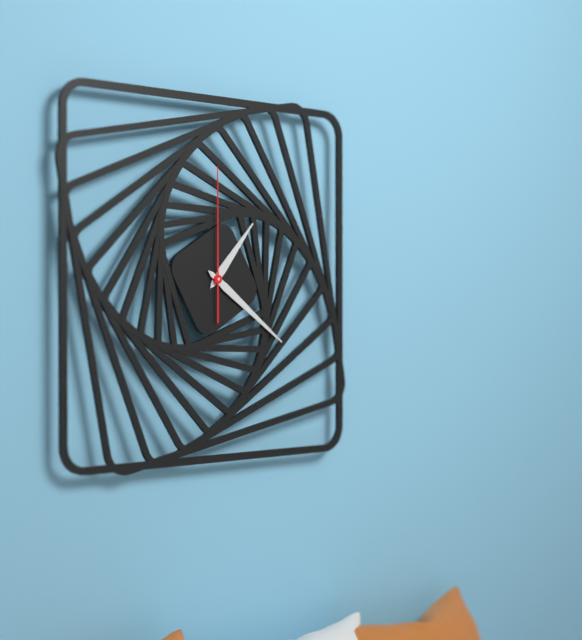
1 h 21 min 00 s
